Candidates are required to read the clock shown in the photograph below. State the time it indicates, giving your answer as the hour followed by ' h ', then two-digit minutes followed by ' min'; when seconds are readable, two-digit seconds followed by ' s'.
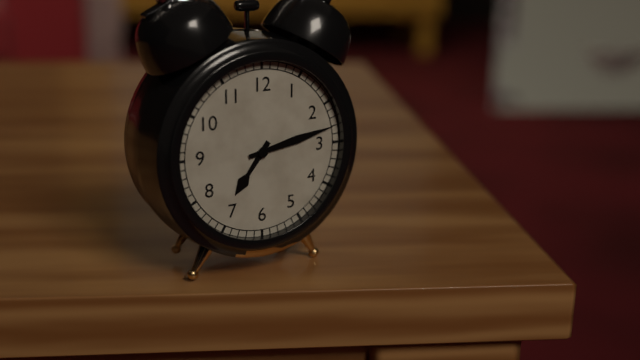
7 h 13 min
